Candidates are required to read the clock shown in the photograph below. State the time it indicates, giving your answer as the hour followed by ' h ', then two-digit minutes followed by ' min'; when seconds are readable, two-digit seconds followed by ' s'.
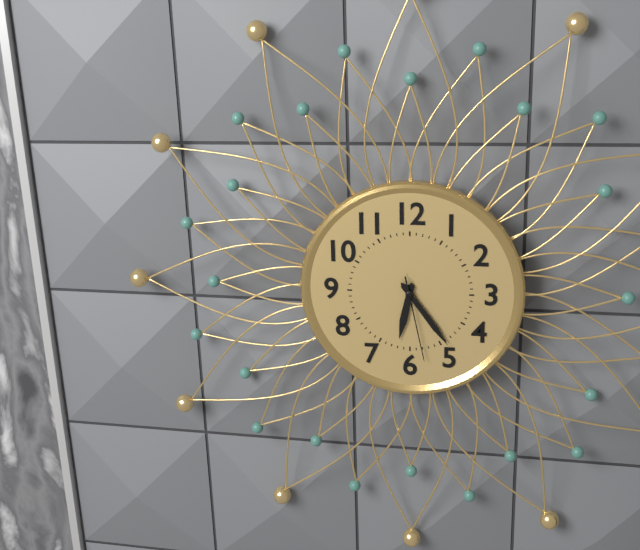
6 h 24 min 28 s
